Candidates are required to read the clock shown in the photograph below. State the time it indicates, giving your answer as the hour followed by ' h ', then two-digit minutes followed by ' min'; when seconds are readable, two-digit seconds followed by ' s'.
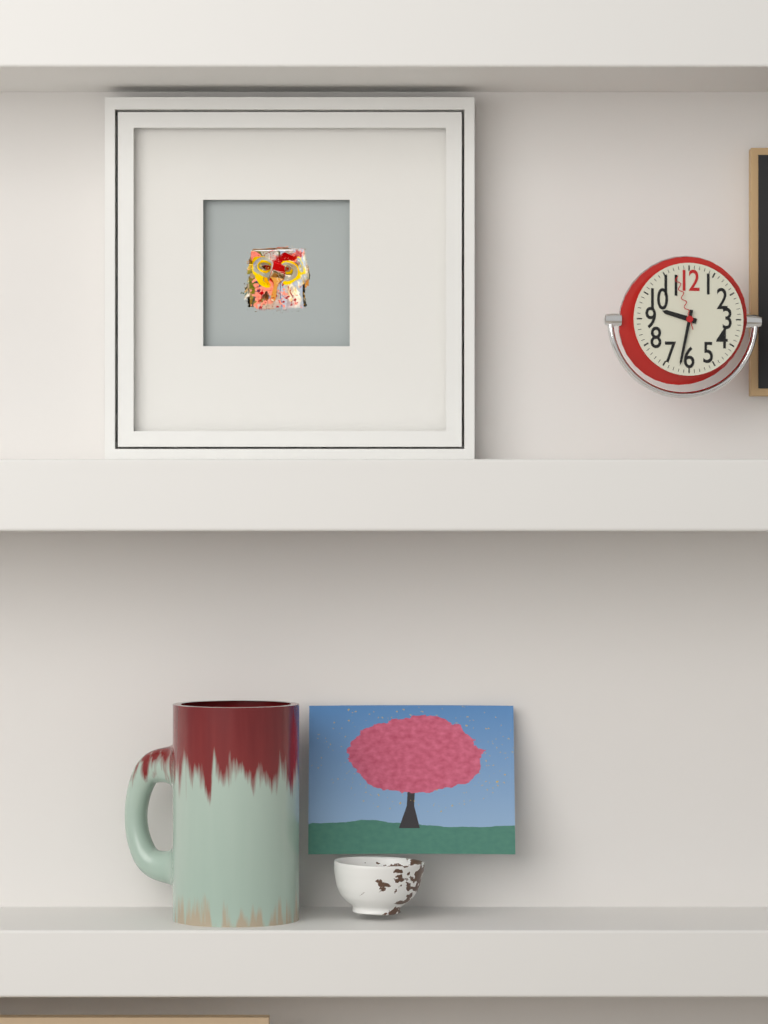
9 h 32 min 57 s
